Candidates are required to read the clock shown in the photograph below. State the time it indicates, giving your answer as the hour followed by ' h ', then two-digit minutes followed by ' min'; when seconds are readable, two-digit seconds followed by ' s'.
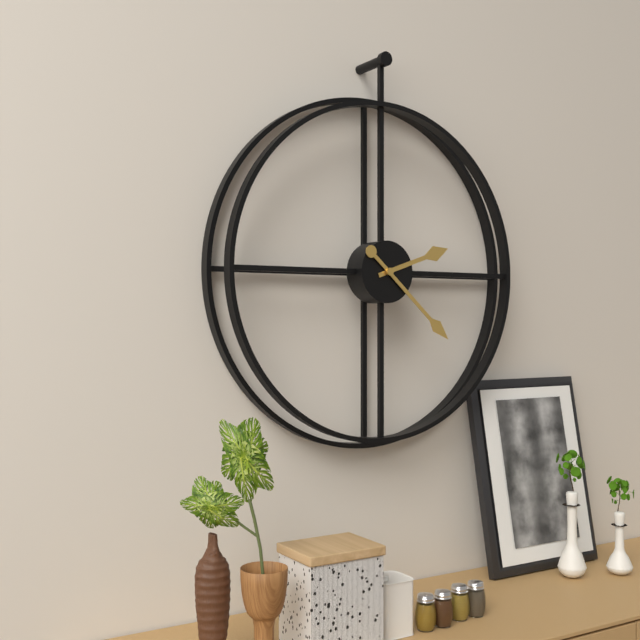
2 h 22 min
